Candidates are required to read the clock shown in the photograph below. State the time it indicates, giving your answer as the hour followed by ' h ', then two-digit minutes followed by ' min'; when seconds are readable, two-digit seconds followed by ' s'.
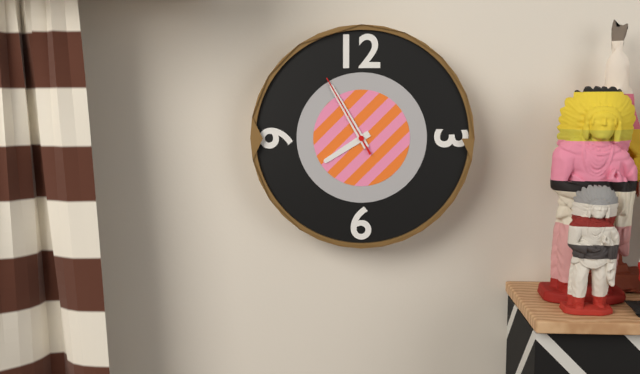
7 h 55 min 55 s
